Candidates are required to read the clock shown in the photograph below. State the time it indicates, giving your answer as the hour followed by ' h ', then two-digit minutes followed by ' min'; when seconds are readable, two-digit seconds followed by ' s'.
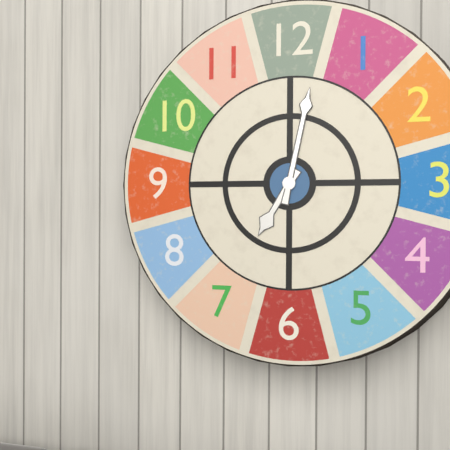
7 h 02 min
